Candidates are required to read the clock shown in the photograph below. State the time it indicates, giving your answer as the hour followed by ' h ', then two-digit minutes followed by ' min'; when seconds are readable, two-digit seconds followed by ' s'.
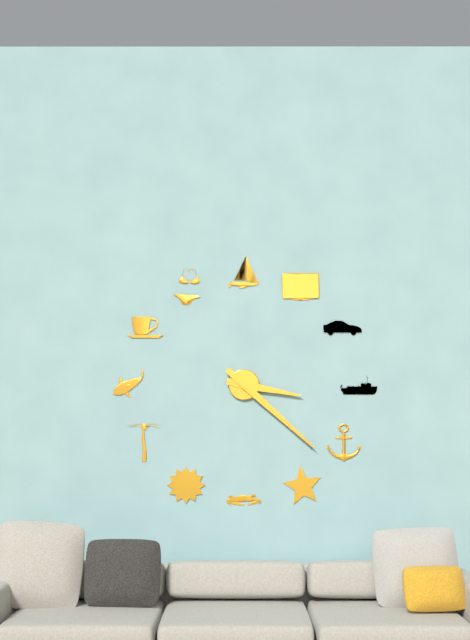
3 h 22 min
